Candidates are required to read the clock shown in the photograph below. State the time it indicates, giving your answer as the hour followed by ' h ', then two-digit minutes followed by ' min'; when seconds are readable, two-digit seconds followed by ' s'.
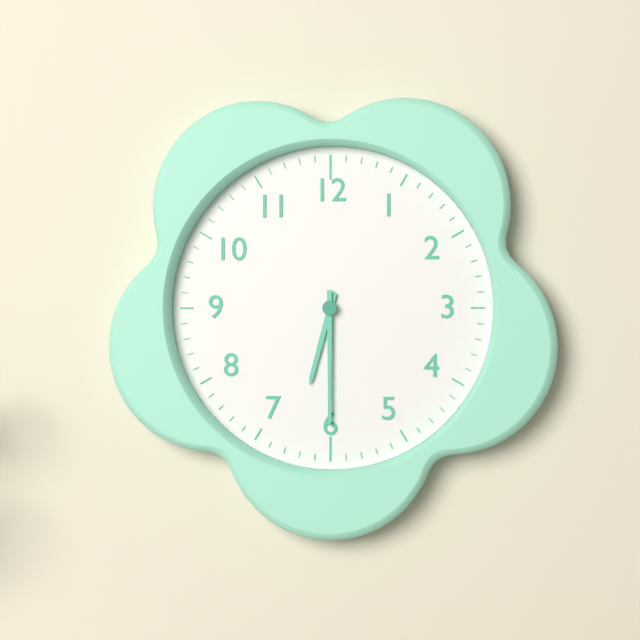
6 h 30 min
